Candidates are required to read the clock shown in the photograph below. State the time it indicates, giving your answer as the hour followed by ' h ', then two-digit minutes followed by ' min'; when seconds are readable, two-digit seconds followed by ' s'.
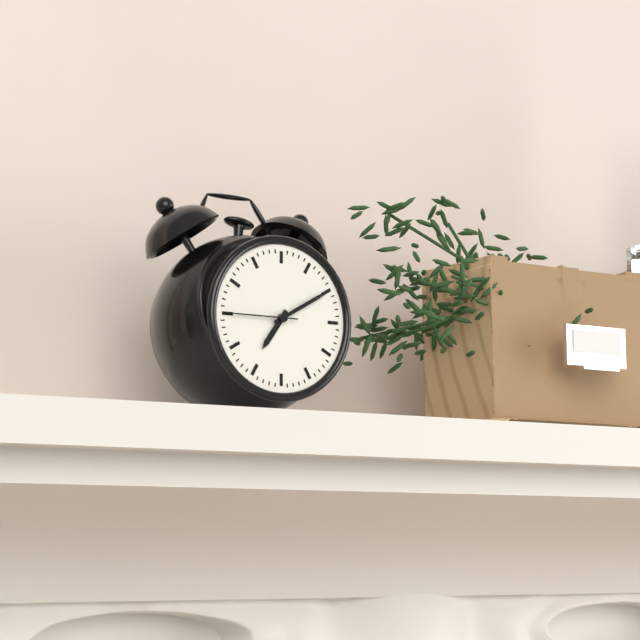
7 h 10 min 45 s
